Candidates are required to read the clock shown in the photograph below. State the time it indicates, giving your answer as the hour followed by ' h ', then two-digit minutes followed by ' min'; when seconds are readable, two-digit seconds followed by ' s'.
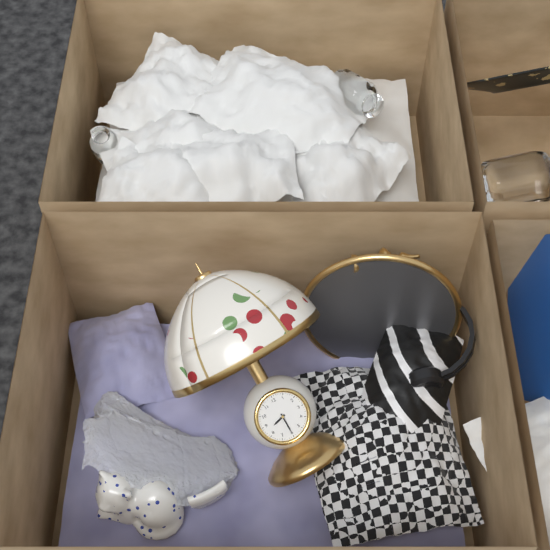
8 h 30 min
